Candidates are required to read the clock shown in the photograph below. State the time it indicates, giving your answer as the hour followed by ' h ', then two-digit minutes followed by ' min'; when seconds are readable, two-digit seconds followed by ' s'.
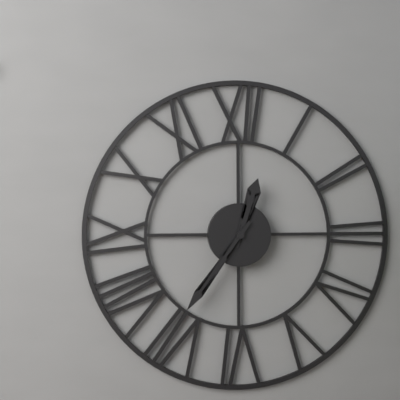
12 h 36 min
